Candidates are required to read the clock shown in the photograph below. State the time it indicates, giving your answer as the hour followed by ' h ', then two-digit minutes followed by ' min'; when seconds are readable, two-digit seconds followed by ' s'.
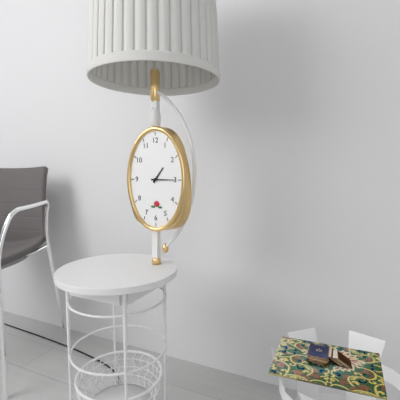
1 h 15 min
